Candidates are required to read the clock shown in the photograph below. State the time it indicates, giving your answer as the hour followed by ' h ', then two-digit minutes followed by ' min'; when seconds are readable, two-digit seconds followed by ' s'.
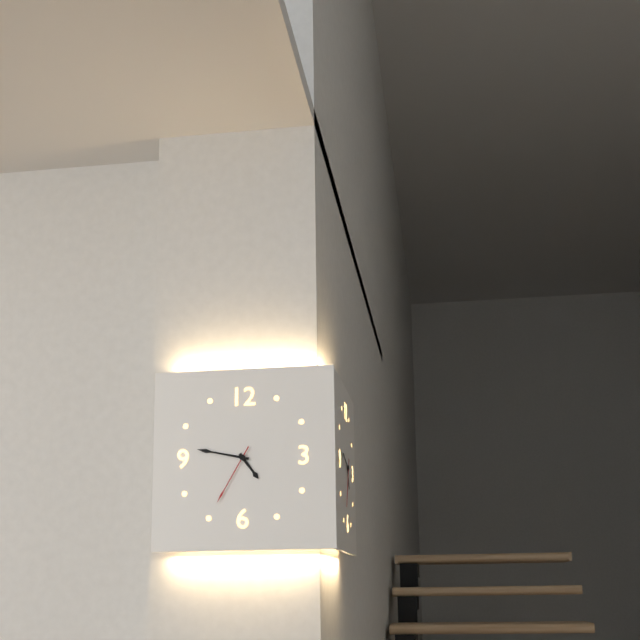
4 h 47 min 35 s
